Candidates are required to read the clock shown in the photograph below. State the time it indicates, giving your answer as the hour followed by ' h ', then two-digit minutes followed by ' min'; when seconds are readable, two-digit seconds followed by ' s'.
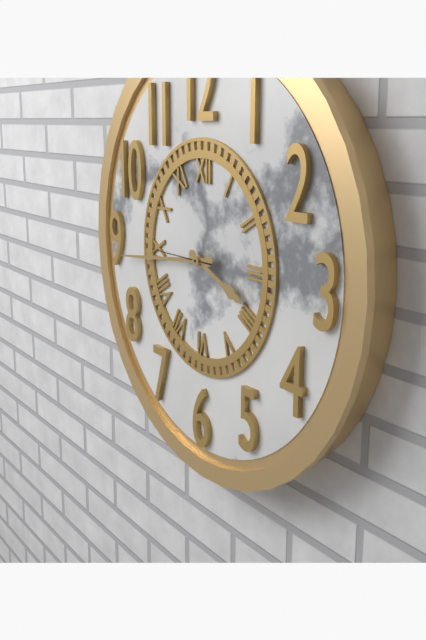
3 h 44 min 45 s
